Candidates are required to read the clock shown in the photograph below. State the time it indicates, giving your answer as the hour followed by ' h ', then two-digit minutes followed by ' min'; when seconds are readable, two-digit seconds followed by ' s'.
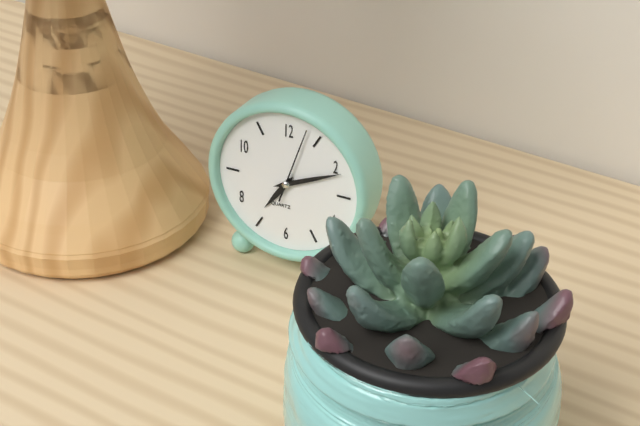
7 h 11 min 03 s
